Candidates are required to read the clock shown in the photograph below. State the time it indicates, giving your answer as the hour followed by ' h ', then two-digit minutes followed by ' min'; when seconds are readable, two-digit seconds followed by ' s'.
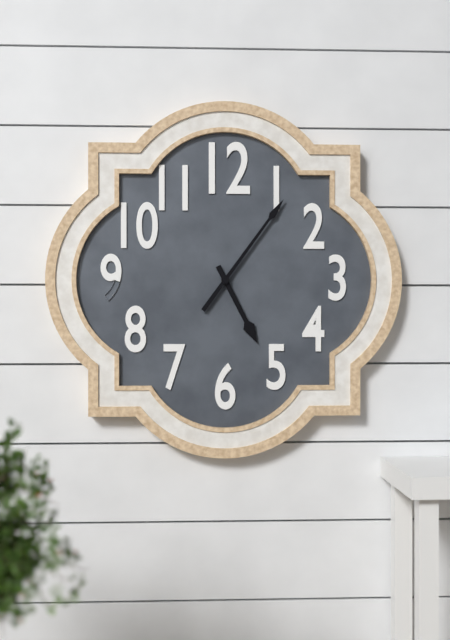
5 h 06 min
